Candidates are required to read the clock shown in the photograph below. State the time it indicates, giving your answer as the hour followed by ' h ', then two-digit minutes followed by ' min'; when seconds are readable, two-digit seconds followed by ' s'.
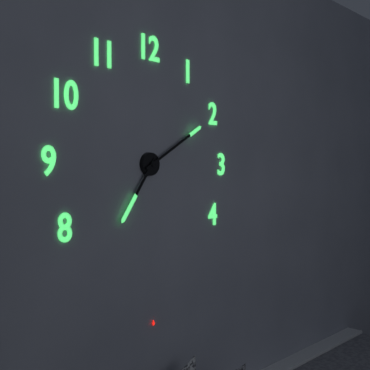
7 h 10 min
